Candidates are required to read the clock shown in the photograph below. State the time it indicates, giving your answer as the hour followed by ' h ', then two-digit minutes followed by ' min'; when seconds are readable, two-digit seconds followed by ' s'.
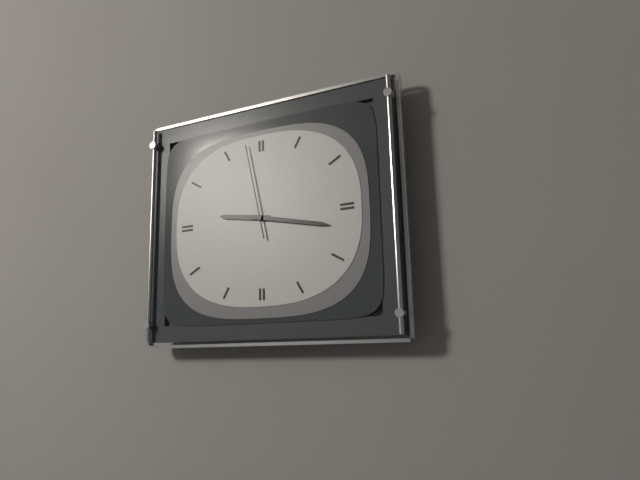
9 h 17 min 58 s
